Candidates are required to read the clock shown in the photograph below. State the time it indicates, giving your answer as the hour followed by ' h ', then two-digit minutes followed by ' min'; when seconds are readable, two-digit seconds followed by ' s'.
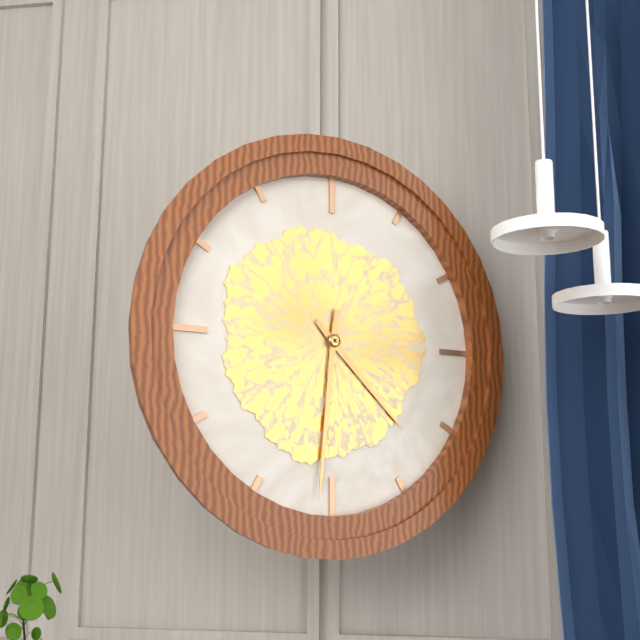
4 h 31 min
